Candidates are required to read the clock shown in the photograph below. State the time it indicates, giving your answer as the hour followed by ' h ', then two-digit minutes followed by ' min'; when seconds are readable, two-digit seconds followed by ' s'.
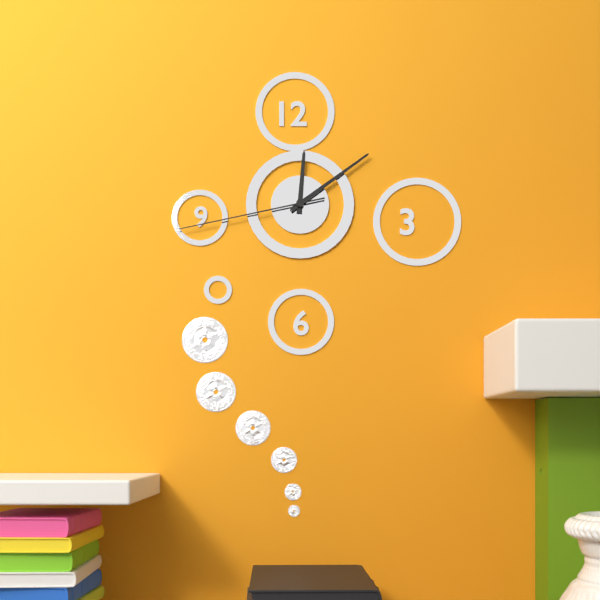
12 h 09 min 43 s
